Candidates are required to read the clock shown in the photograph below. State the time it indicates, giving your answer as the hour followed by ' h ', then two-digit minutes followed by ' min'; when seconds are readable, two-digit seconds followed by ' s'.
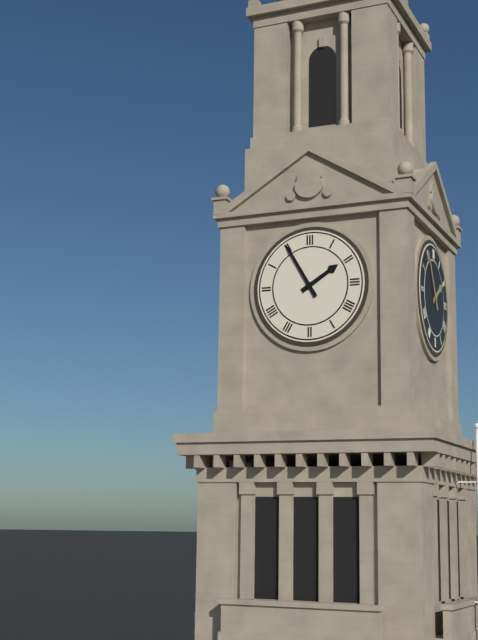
1 h 55 min
